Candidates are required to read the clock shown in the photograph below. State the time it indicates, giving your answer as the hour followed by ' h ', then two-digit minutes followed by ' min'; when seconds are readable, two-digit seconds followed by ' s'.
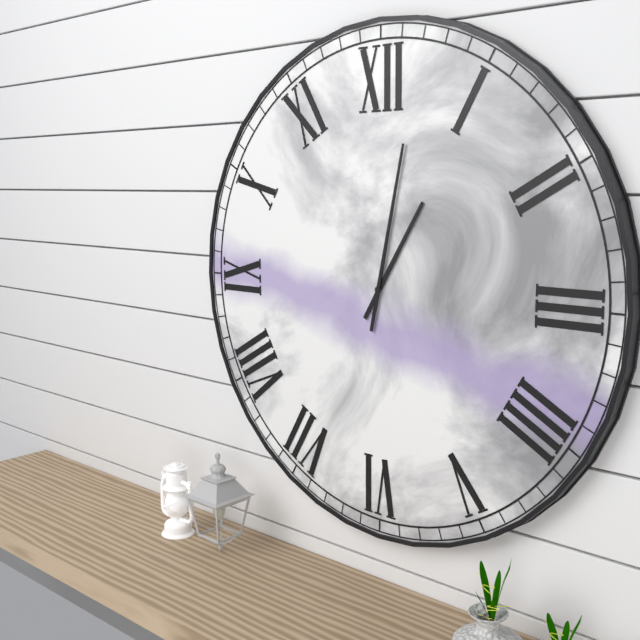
1 h 02 min
